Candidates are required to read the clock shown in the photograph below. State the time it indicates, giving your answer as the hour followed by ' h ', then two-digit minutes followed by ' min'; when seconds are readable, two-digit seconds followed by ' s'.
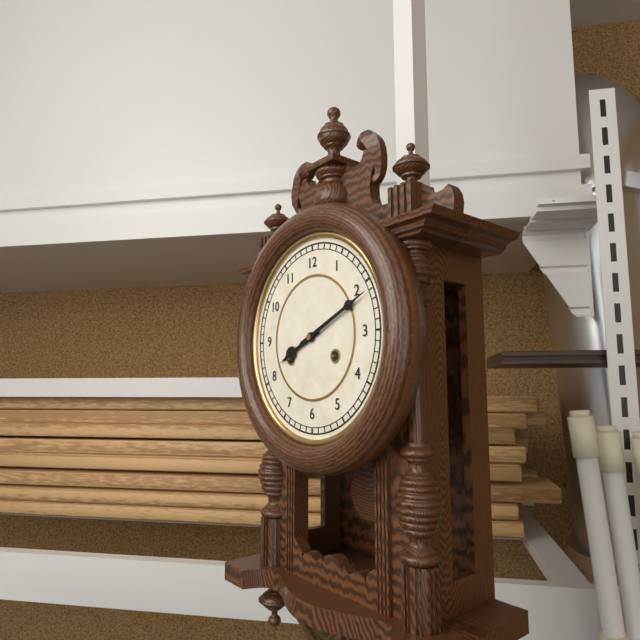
8 h 11 min
